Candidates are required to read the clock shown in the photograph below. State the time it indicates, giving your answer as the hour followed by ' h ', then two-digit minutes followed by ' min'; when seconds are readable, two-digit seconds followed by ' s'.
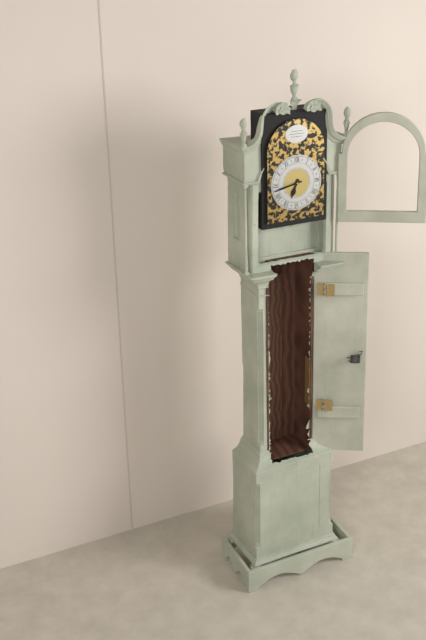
6 h 43 min
